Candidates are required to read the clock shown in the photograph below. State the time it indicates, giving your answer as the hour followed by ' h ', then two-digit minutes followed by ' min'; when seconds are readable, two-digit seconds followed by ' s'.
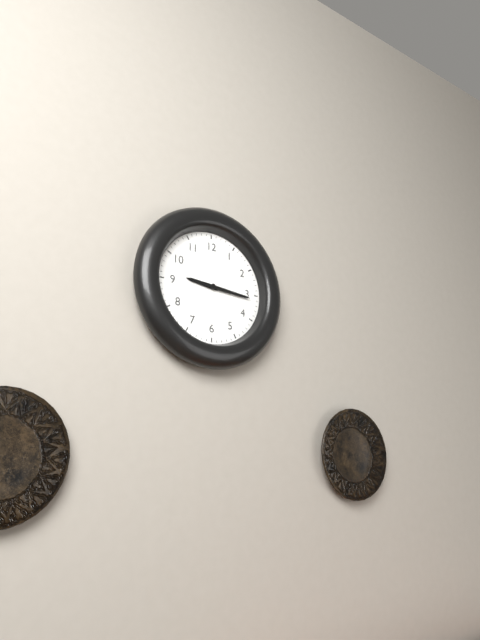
9 h 16 min
